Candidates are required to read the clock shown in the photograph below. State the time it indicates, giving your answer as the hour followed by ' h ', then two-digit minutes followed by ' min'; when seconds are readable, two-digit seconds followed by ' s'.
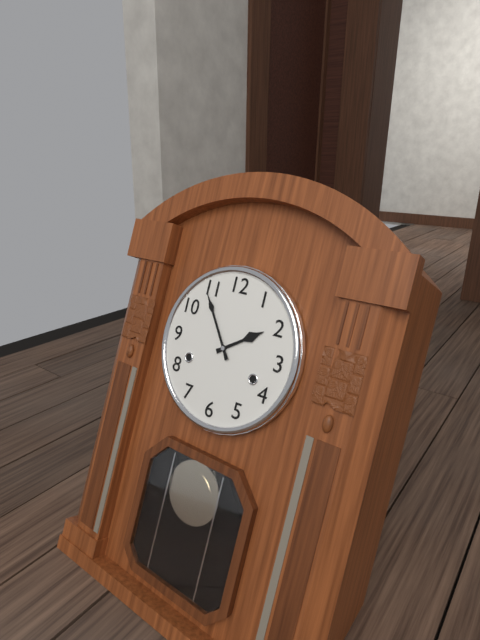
1 h 54 min
